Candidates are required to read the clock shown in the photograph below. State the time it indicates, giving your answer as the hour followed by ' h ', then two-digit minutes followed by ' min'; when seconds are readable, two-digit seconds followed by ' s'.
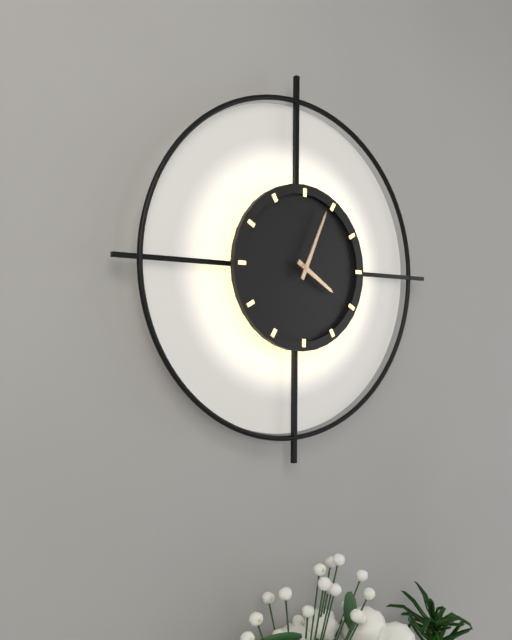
4 h 04 min
